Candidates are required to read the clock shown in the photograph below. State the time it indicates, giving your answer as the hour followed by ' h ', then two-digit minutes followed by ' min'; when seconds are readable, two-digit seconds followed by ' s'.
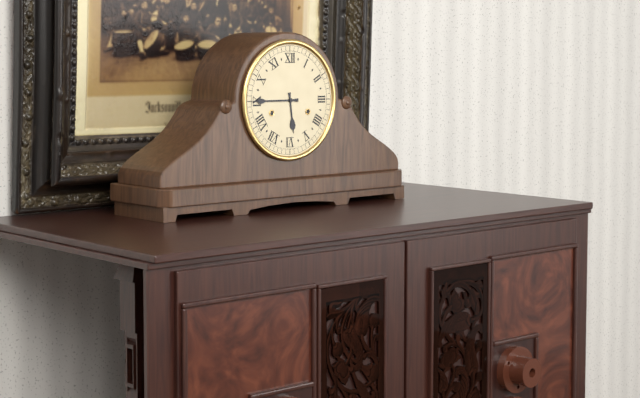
5 h 45 min
